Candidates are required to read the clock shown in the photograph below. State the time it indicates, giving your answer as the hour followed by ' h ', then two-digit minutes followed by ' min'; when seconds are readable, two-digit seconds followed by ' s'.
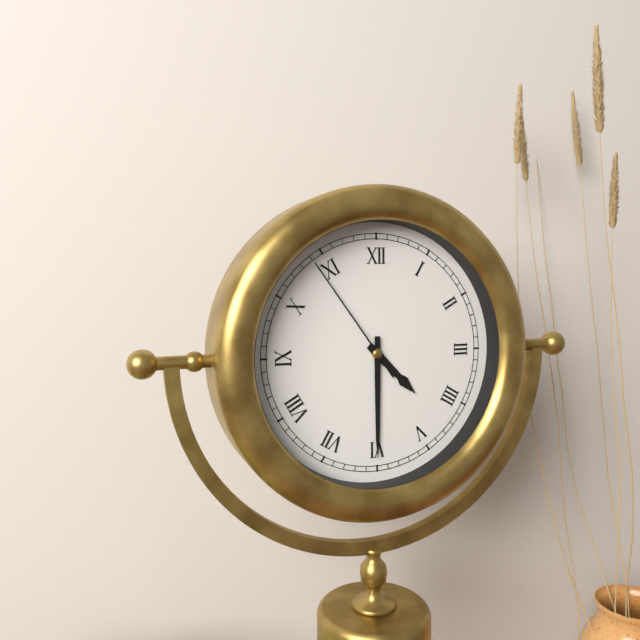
4 h 30 min 54 s
